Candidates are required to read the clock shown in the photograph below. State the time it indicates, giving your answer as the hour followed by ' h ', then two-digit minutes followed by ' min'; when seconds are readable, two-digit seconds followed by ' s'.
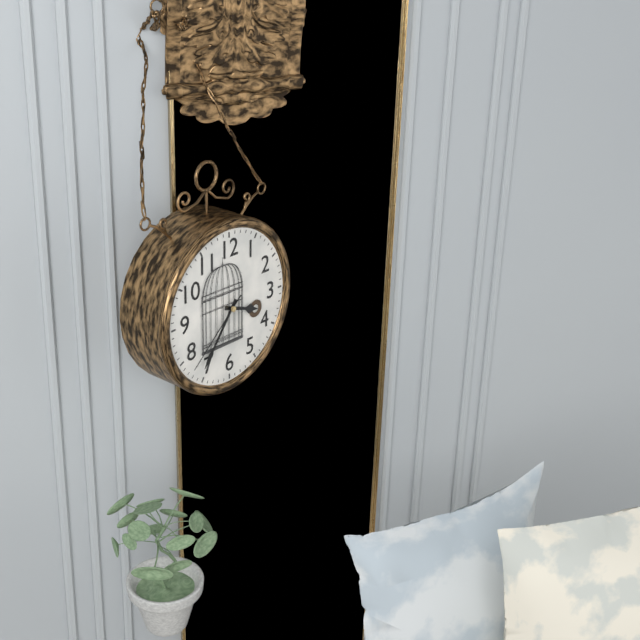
3 h 36 min 38 s
